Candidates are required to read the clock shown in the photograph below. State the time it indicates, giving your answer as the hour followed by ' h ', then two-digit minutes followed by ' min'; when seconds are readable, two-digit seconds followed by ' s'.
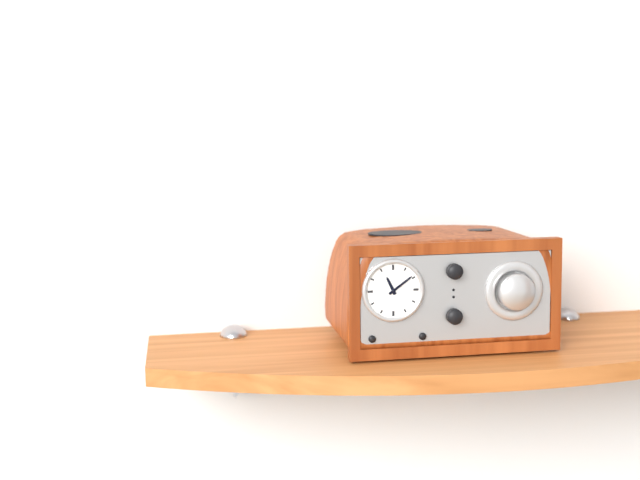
11 h 09 min
